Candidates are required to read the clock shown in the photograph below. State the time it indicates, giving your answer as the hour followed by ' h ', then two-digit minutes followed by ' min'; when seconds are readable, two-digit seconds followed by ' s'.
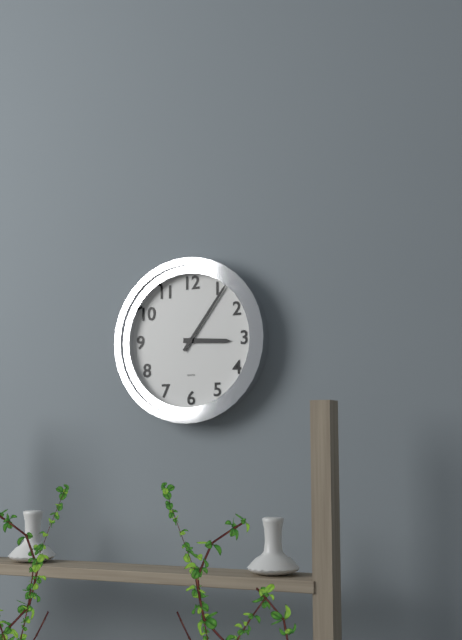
3 h 06 min
